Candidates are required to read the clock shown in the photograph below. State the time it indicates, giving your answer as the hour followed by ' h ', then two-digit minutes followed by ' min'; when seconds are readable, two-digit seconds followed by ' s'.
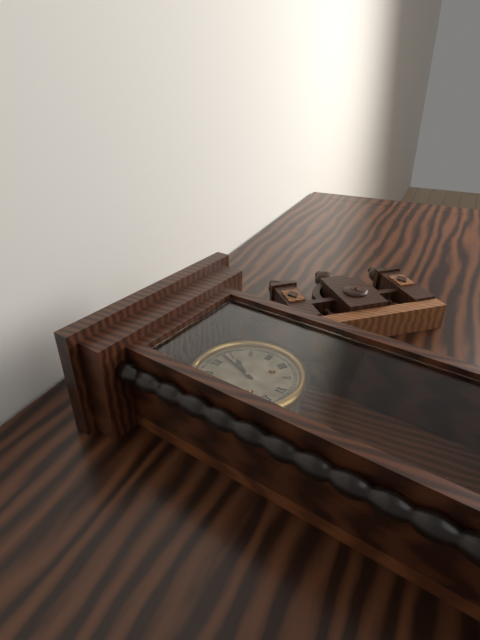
1 h 03 min
